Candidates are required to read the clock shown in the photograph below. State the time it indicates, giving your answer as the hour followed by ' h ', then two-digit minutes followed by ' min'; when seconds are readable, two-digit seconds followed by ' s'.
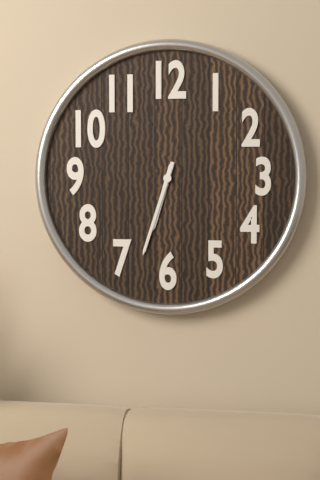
6 h 33 min
